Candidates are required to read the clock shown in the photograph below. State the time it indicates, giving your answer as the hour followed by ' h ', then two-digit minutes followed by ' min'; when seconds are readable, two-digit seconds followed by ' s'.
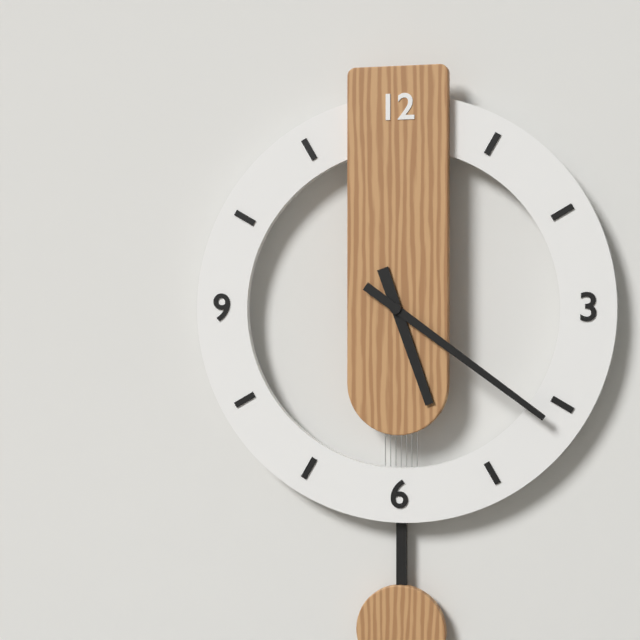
5 h 21 min
